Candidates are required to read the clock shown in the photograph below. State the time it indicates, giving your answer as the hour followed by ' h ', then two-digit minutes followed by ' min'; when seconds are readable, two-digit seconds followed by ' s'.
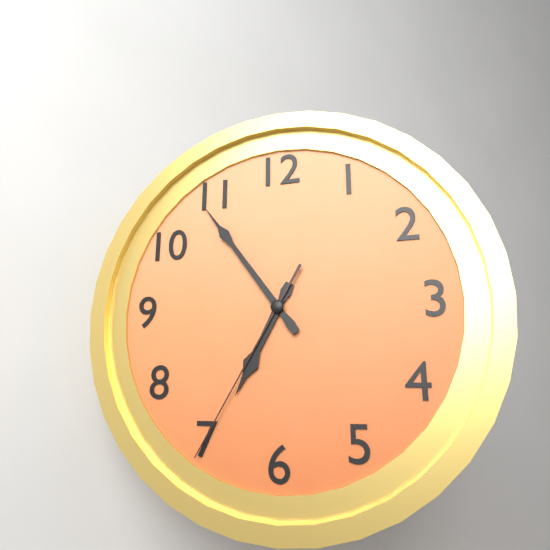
6 h 54 min 35 s
